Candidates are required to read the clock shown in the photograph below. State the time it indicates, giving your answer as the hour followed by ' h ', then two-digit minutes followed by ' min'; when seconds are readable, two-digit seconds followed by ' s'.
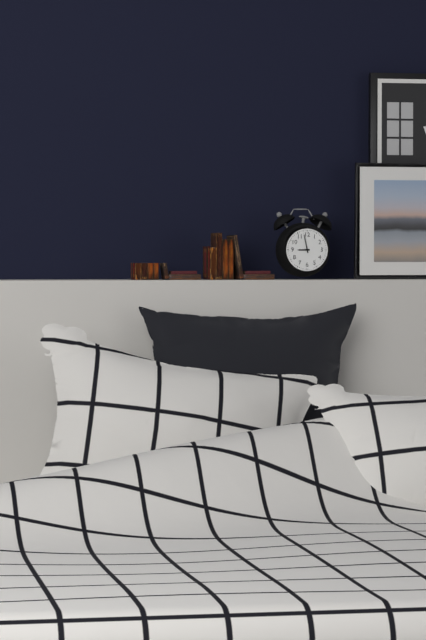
8 h 58 min
